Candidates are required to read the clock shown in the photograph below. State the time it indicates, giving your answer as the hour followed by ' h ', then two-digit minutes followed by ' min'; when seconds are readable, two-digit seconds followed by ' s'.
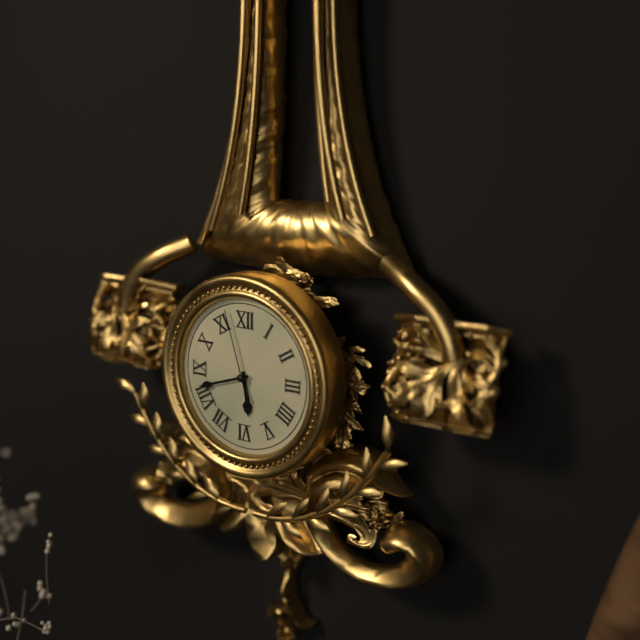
5 h 42 min 57 s
